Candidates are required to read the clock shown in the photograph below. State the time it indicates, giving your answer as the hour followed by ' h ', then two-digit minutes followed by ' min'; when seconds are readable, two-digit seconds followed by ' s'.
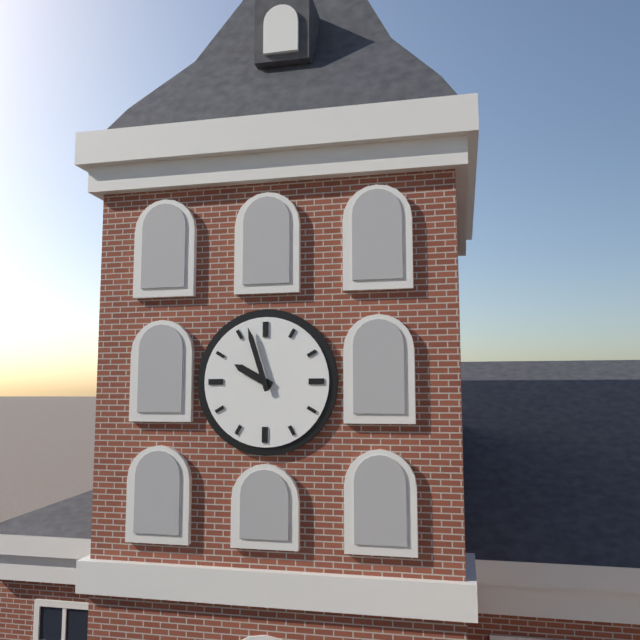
9 h 57 min
